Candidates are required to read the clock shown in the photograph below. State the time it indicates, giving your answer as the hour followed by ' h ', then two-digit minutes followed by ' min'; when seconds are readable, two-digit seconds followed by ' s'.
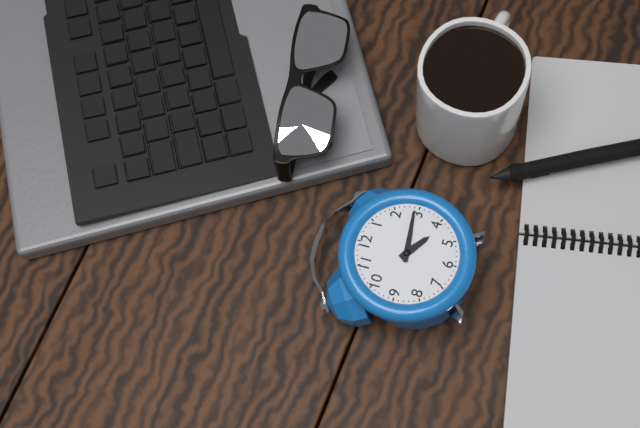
4 h 14 min
